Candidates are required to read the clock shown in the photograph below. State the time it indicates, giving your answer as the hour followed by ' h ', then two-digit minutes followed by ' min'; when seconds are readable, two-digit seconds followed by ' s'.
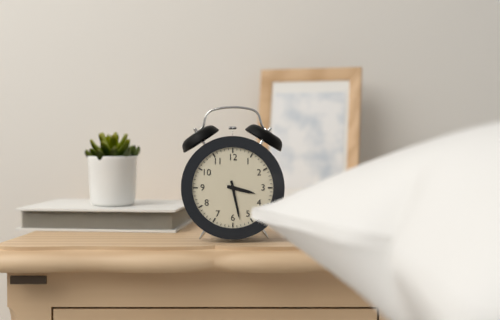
3 h 28 min
